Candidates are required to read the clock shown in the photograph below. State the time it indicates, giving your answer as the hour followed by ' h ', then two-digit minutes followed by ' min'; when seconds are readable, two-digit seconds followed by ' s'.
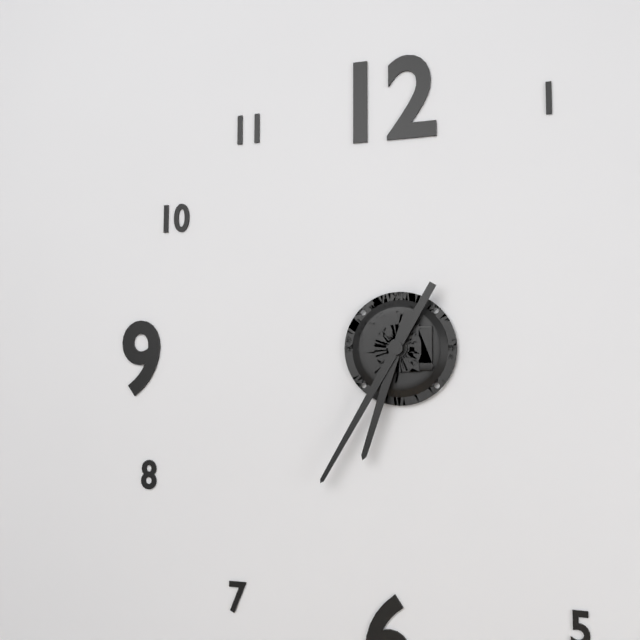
6 h 35 min
